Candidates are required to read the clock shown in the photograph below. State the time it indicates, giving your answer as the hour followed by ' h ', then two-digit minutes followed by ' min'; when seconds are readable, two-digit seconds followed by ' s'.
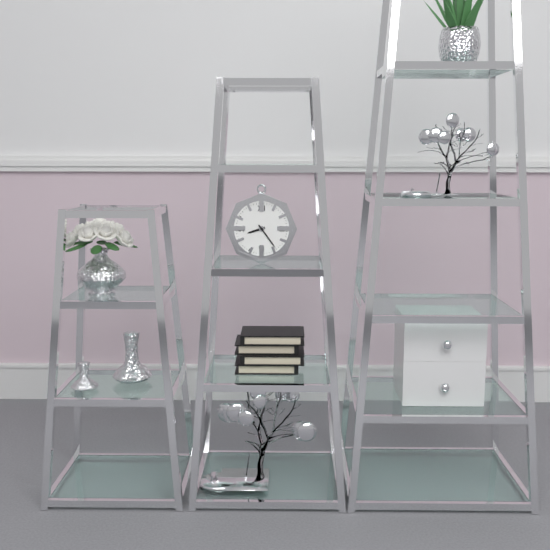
8 h 24 min
